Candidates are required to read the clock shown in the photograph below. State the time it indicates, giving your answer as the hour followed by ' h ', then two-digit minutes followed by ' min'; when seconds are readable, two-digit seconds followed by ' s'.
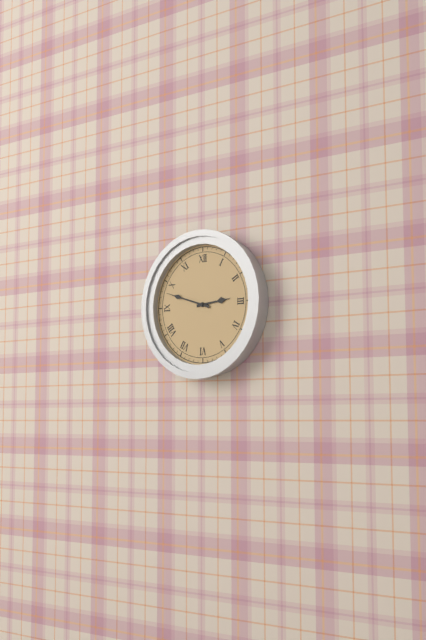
2 h 48 min
